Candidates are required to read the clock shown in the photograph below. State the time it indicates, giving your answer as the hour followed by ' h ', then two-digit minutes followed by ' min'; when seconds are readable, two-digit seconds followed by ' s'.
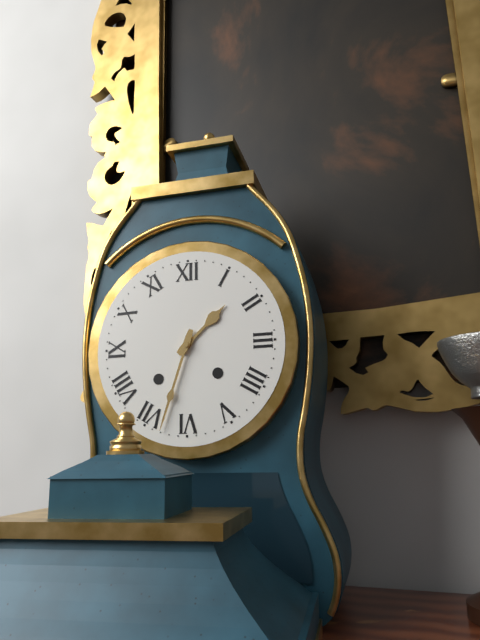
1 h 33 min
